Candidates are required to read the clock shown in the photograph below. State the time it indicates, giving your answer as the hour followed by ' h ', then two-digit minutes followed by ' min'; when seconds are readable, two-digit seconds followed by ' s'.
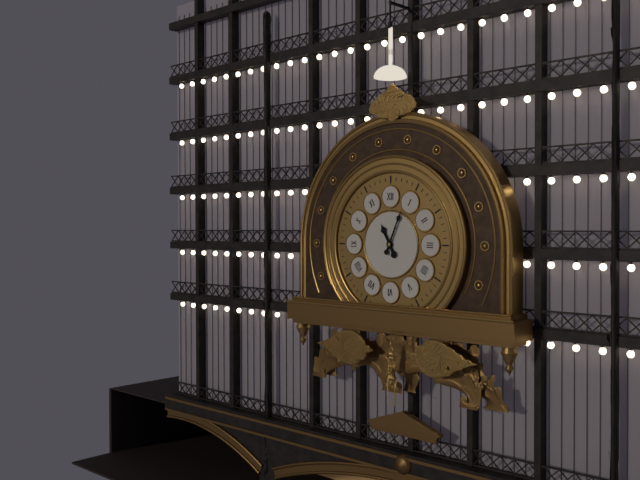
11 h 04 min
